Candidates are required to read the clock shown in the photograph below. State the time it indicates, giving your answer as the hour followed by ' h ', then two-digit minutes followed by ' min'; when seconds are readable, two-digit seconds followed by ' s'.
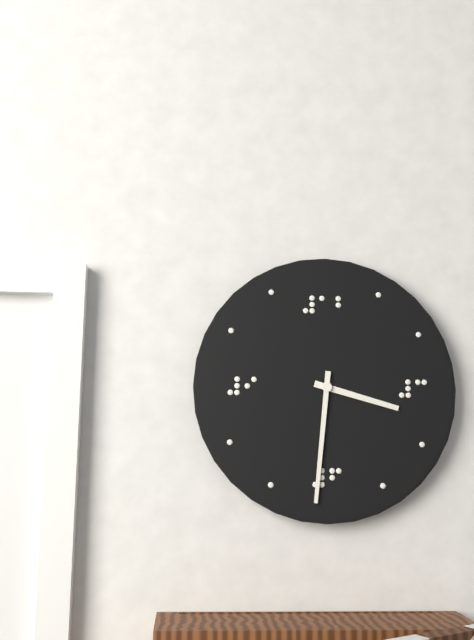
3 h 31 min
